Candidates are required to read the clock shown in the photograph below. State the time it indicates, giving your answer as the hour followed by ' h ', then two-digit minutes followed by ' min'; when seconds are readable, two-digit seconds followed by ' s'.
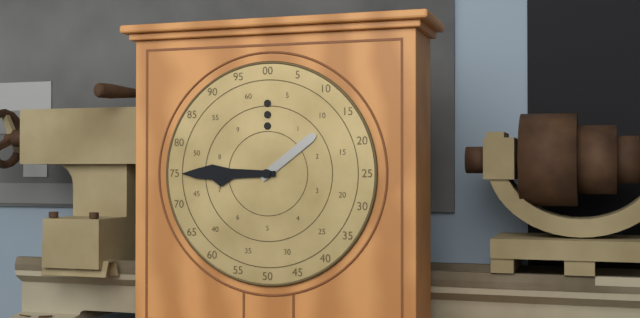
1 h 45 min
